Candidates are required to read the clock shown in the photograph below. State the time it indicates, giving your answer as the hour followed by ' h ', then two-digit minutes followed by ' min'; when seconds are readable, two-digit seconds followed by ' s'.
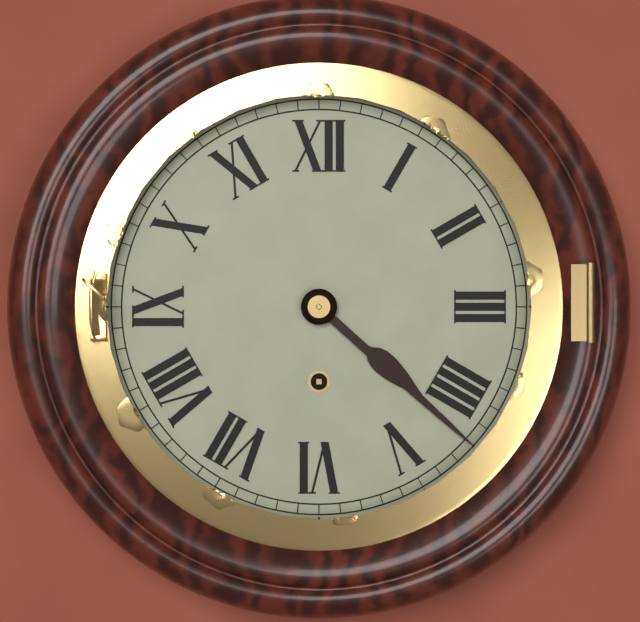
4 h 22 min
